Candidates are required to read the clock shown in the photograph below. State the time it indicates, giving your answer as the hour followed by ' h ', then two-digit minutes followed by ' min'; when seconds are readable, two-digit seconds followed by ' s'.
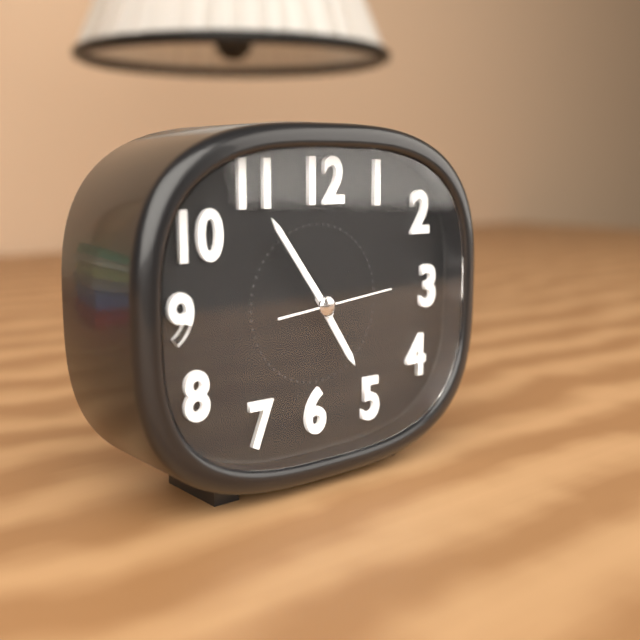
4 h 54 min 14 s
